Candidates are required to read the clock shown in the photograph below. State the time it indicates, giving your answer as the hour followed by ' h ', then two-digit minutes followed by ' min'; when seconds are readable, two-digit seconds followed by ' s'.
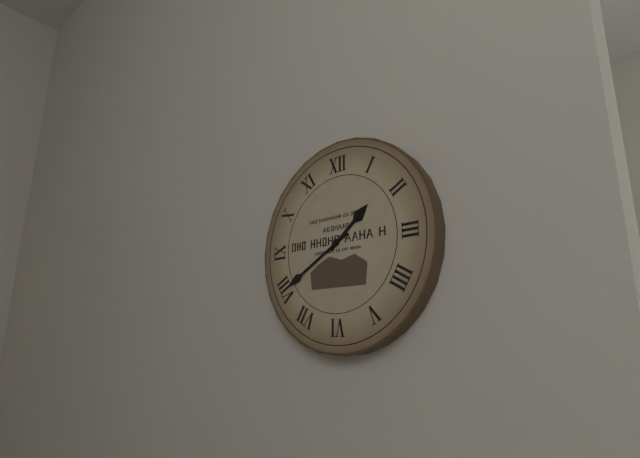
1 h 40 min
